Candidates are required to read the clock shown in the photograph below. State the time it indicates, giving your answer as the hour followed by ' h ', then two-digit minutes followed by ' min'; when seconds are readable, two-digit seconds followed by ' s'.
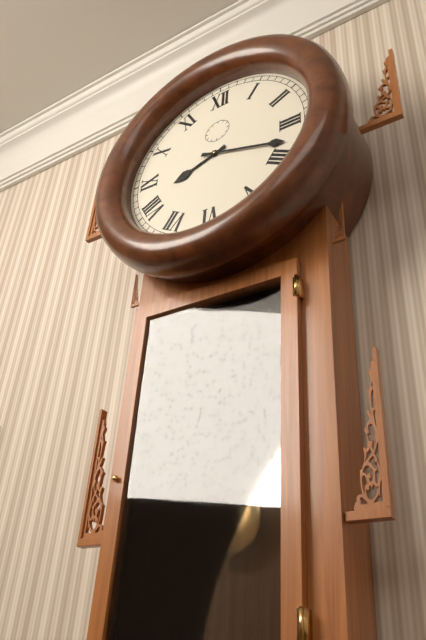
8 h 18 min
